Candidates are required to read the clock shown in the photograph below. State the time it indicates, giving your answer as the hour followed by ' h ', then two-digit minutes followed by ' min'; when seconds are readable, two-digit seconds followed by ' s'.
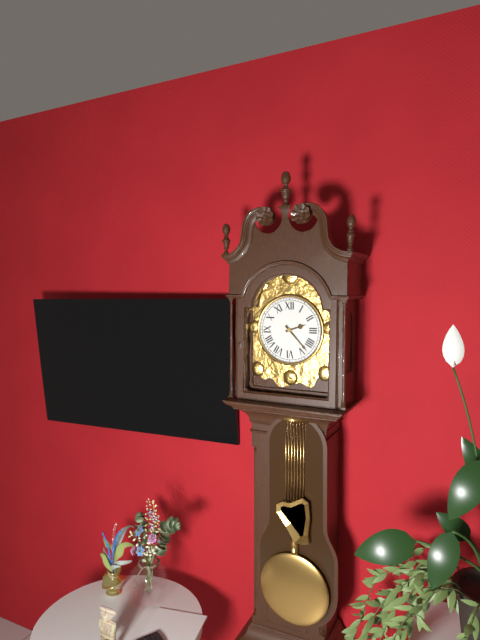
2 h 23 min
